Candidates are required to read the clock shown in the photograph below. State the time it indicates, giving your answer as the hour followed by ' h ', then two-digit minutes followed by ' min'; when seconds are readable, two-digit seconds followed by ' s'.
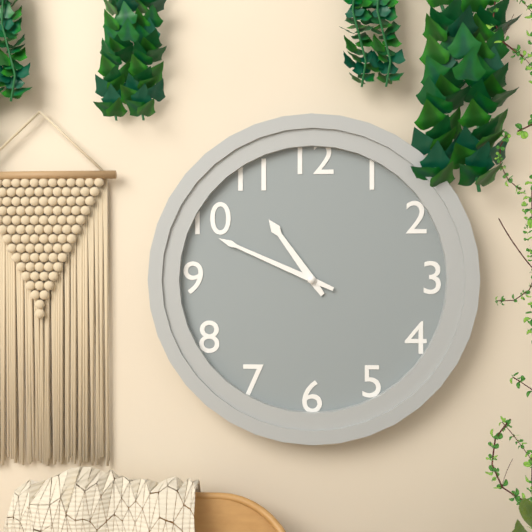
10 h 49 min
